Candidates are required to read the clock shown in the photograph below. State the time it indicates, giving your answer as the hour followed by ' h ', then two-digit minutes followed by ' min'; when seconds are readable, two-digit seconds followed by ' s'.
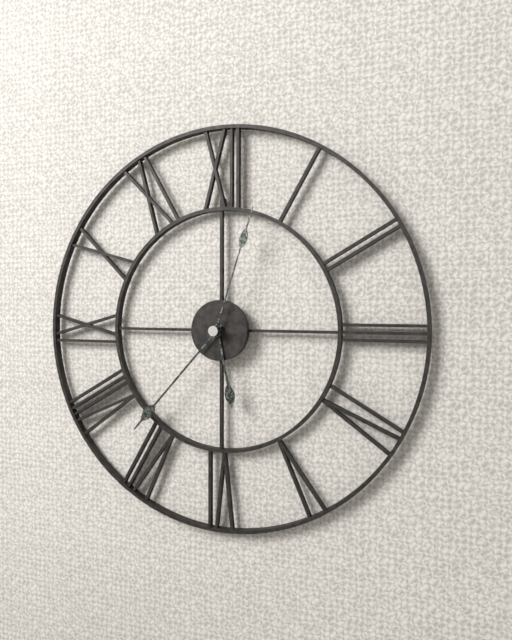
5 h 37 min 03 s
